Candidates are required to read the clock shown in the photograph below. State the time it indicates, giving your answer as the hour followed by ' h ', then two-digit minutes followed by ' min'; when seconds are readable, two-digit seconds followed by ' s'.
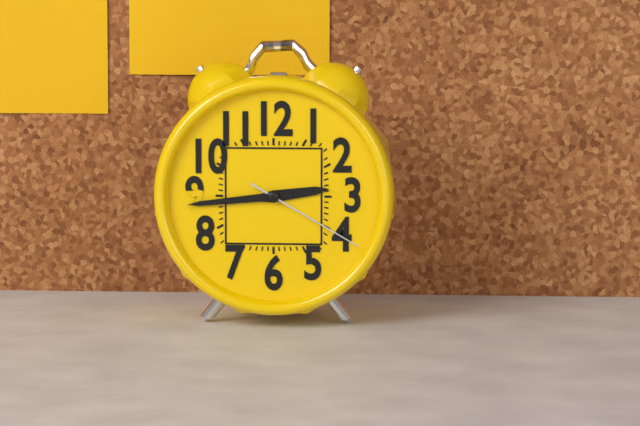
2 h 44 min 20 s
